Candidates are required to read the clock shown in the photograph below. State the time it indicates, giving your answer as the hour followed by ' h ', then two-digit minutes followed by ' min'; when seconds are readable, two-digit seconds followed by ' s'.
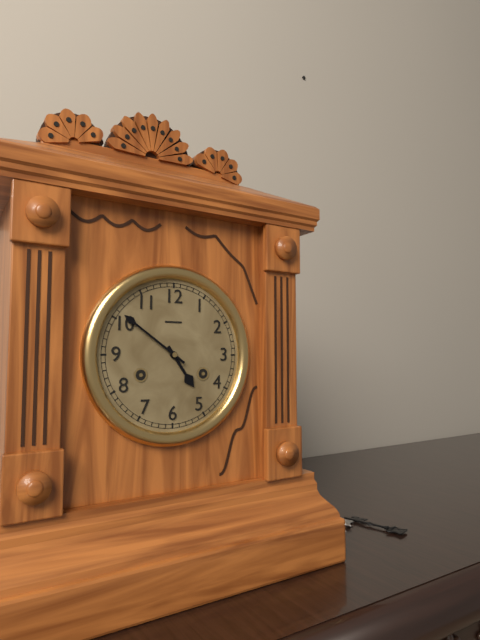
4 h 51 min
